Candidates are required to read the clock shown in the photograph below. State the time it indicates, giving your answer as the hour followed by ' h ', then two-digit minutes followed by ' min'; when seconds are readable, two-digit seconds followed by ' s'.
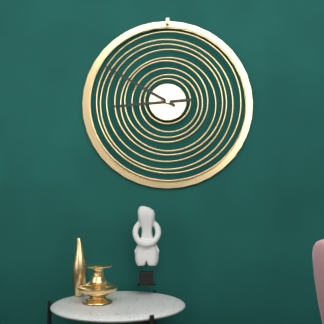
8 h 50 min
